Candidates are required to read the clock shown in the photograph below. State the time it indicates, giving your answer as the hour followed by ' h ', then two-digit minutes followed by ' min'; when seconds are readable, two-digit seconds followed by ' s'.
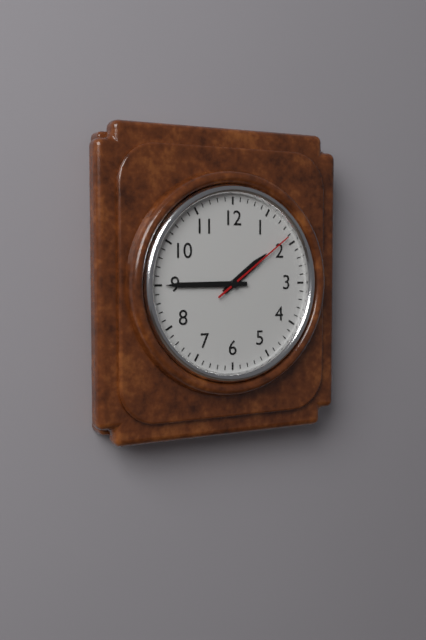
1 h 45 min 09 s
